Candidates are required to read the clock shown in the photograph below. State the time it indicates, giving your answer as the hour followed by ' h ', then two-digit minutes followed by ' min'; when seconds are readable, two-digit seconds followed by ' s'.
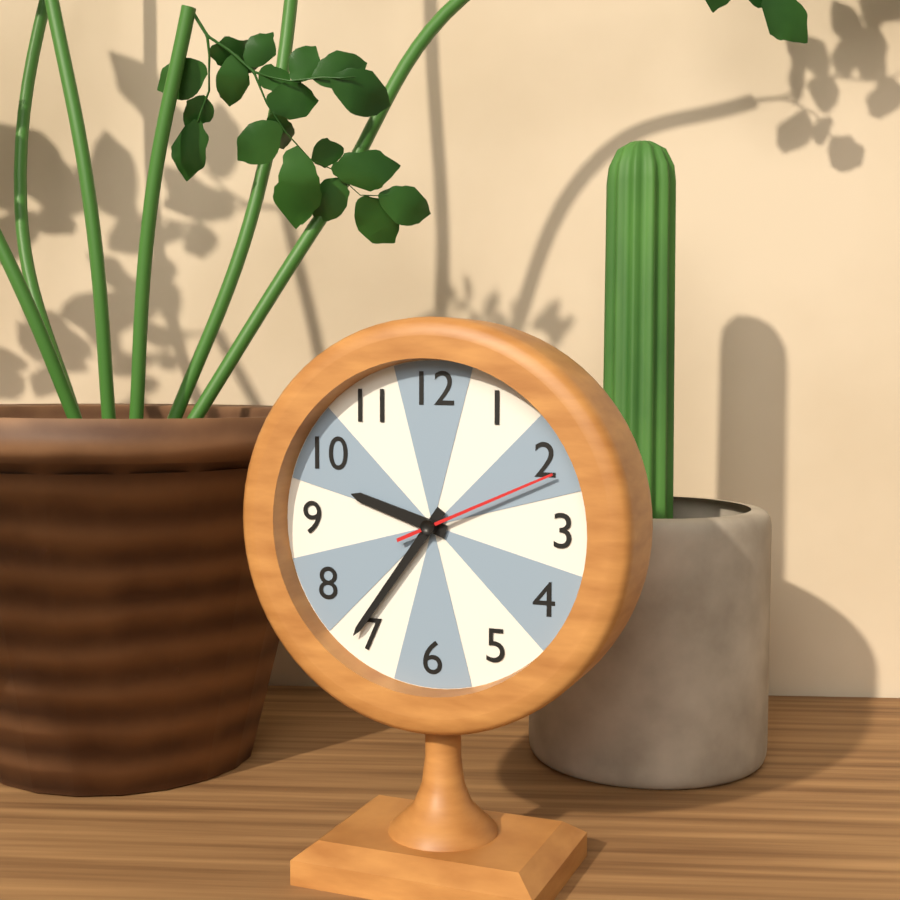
9 h 36 min 11 s
